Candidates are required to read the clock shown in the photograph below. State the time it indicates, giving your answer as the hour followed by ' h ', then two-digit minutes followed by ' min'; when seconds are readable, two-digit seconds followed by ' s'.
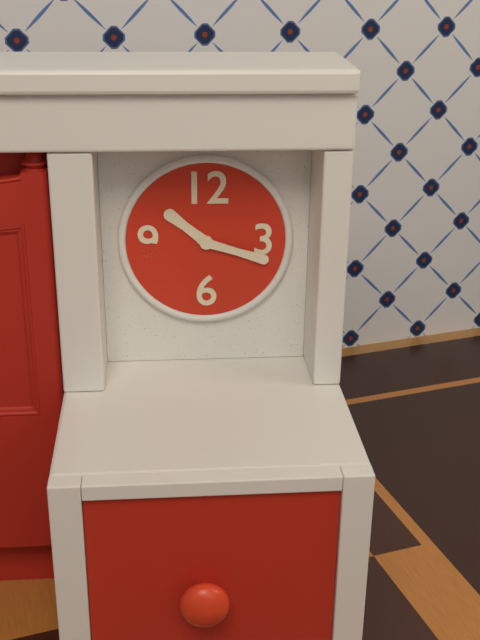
10 h 18 min
